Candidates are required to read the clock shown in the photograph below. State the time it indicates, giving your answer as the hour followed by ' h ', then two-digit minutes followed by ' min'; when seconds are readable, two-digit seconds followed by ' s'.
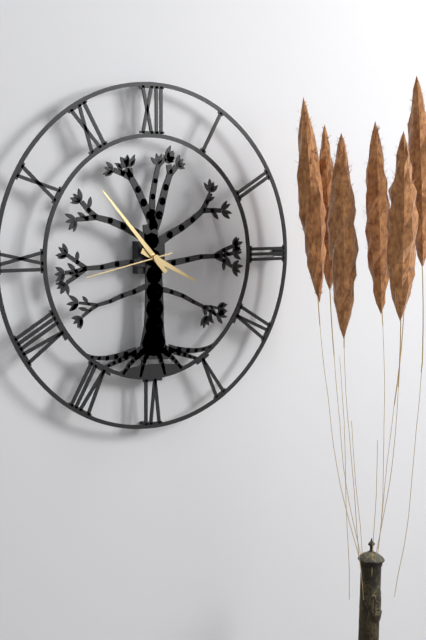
3 h 53 min 43 s
